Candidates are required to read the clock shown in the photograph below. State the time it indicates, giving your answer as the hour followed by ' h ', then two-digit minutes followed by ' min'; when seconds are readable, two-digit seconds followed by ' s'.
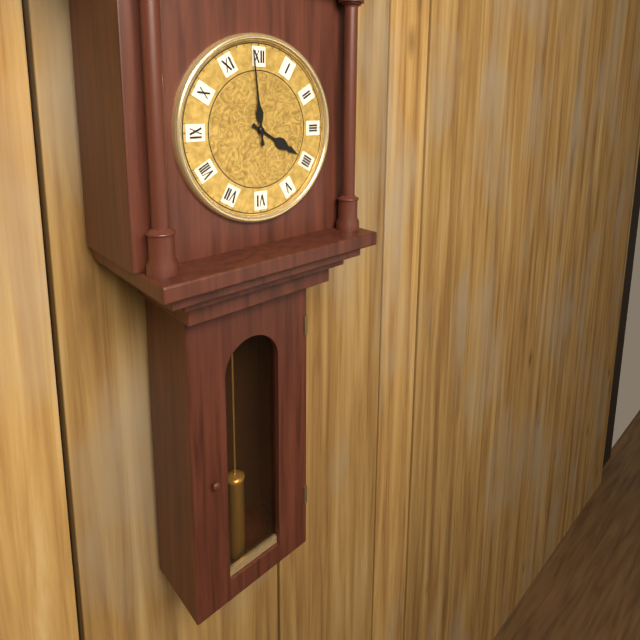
3 h 59 min
